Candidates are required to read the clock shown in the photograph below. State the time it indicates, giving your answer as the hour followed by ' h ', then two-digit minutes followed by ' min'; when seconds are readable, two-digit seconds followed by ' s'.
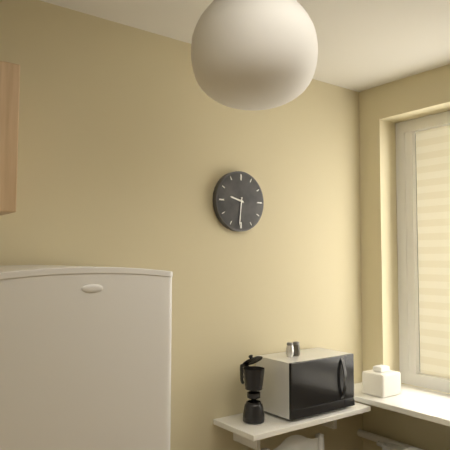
9 h 31 min
